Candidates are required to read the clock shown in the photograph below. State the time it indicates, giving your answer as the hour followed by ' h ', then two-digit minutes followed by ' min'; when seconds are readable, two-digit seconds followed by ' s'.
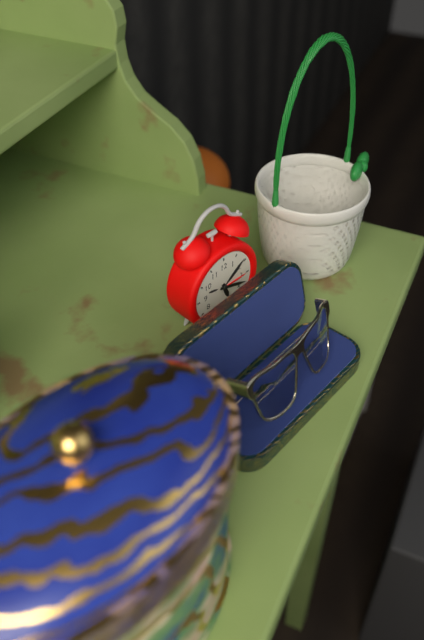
5 h 18 min
